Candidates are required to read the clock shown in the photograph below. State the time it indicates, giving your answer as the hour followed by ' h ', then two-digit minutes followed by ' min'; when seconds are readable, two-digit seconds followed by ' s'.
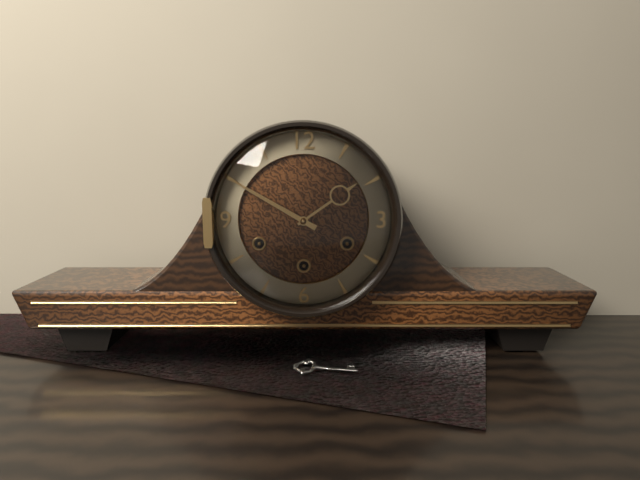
1 h 50 min
